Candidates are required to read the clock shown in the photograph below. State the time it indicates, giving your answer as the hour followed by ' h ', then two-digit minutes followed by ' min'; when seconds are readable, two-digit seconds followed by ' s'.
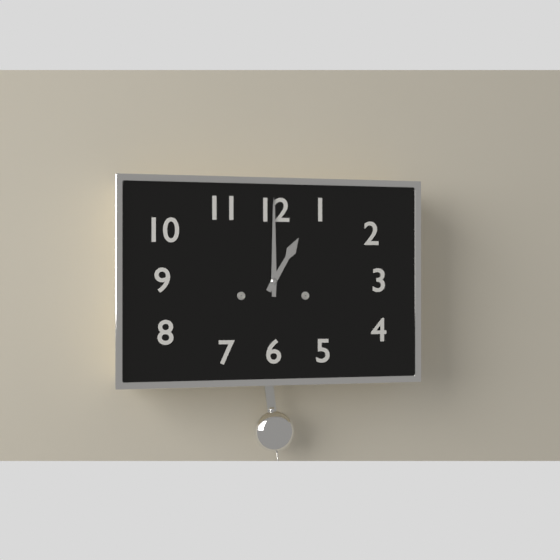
1 h 00 min
